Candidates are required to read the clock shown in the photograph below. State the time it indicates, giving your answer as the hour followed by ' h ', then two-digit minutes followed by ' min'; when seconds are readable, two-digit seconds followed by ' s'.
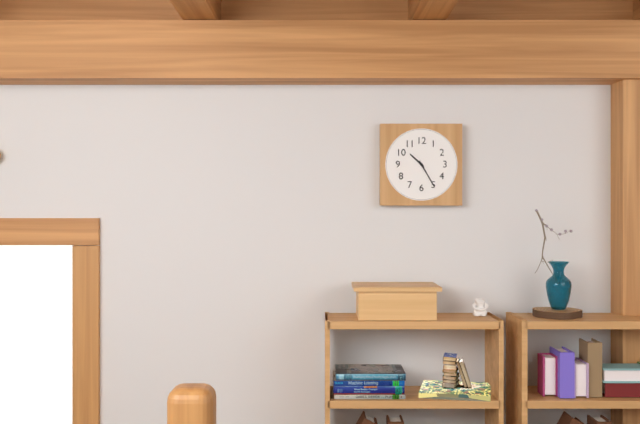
10 h 25 min
